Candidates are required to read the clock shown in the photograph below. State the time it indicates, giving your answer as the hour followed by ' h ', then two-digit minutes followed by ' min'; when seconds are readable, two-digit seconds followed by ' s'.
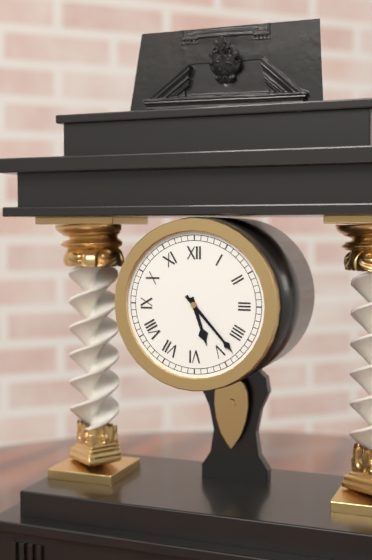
5 h 23 min
